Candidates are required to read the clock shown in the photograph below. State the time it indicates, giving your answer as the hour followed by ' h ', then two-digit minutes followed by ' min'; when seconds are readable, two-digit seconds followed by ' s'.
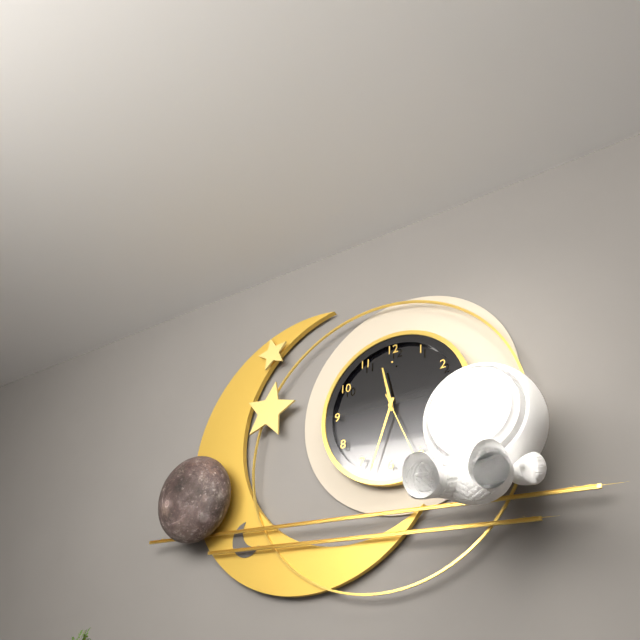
11 h 33 min 26 s
